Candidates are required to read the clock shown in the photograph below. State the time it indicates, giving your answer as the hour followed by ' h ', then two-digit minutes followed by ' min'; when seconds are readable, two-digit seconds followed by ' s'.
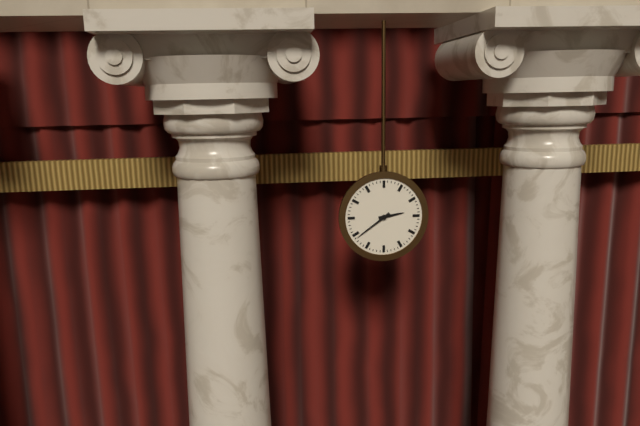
2 h 39 min
